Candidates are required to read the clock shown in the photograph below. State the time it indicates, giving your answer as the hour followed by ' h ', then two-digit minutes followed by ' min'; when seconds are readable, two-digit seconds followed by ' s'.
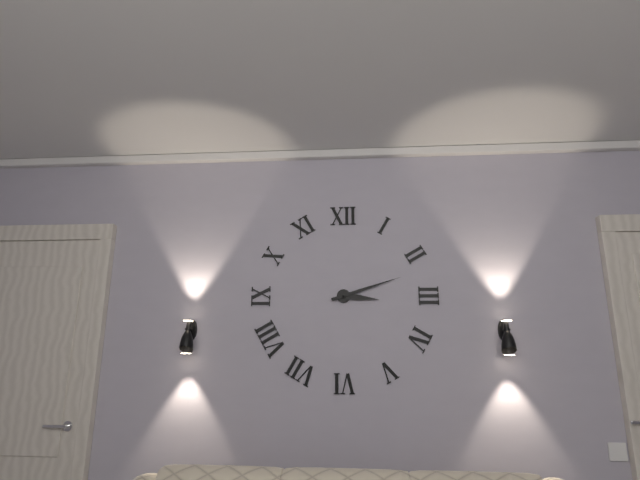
3 h 12 min
